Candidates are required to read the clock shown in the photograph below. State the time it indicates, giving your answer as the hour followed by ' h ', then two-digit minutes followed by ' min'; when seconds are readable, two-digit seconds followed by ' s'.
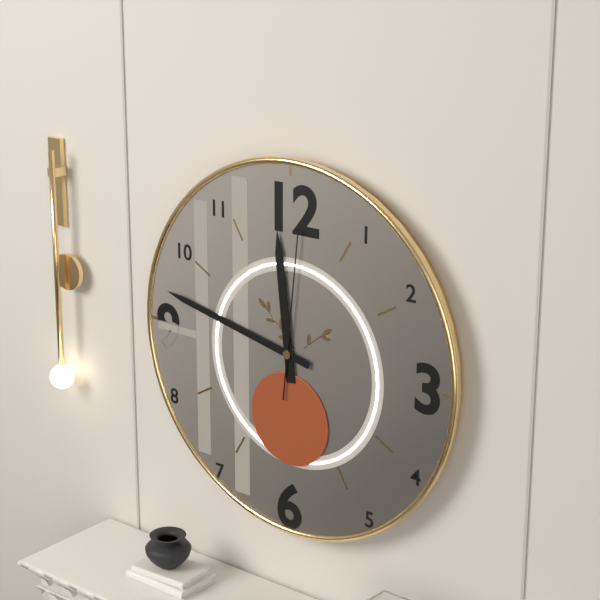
11 h 47 min 01 s
